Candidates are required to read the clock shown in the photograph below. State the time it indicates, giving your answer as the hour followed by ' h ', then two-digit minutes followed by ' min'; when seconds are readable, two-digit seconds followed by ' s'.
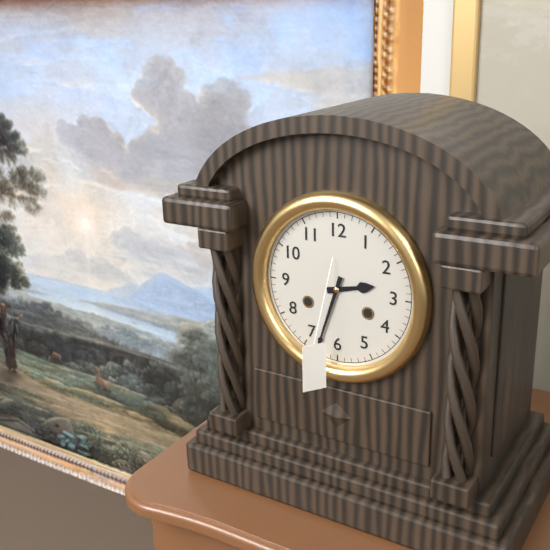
2 h 33 min
